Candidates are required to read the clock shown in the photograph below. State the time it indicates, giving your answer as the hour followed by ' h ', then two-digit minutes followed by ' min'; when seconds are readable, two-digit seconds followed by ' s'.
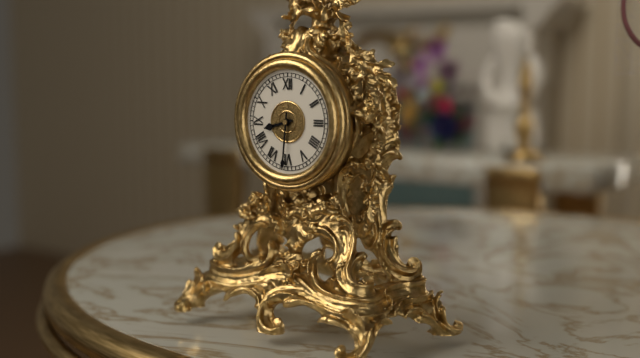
8 h 31 min
